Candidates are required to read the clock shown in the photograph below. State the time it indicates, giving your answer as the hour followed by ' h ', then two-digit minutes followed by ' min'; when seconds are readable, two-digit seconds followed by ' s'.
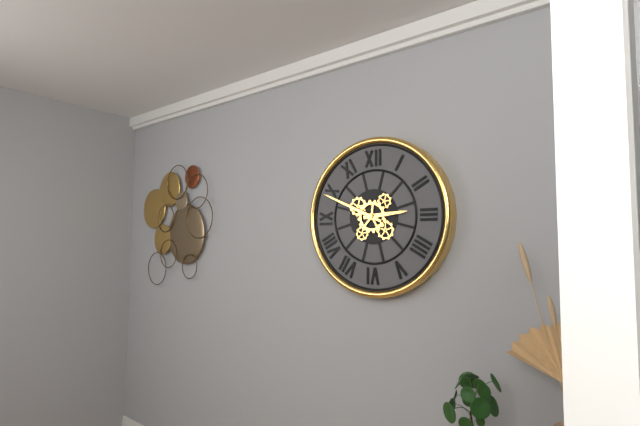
2 h 49 min
